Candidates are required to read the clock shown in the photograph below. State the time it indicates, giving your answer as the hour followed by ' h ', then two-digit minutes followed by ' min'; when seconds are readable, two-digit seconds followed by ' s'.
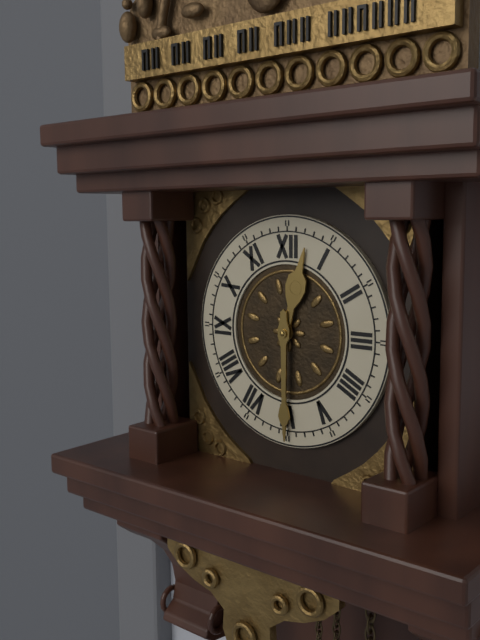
12 h 30 min
